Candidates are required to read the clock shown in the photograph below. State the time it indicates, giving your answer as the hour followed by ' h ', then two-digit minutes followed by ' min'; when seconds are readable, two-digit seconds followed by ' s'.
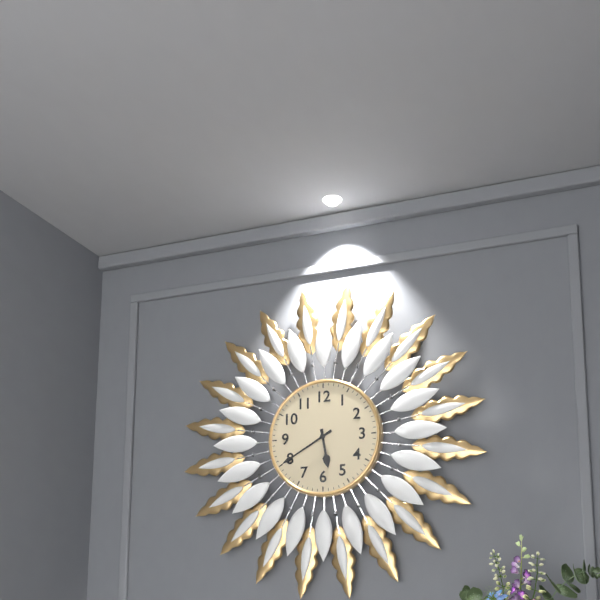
5 h 40 min
